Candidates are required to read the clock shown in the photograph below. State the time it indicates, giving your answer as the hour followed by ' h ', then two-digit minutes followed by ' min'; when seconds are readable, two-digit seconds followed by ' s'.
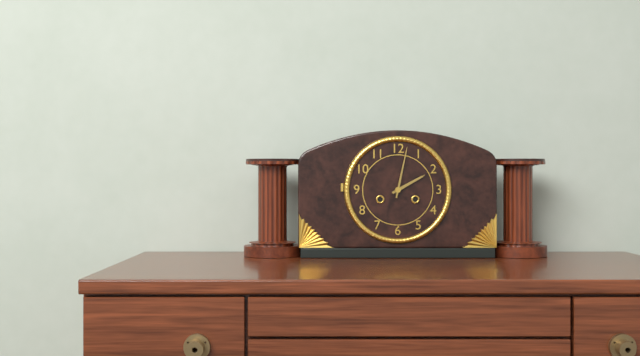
2 h 02 min
